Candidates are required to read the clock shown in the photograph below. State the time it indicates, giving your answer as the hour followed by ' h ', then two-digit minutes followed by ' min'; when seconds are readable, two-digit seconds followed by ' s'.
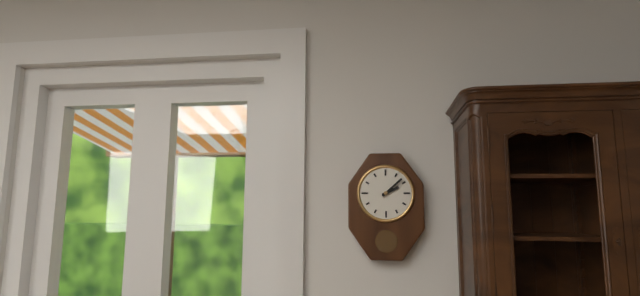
2 h 08 min
